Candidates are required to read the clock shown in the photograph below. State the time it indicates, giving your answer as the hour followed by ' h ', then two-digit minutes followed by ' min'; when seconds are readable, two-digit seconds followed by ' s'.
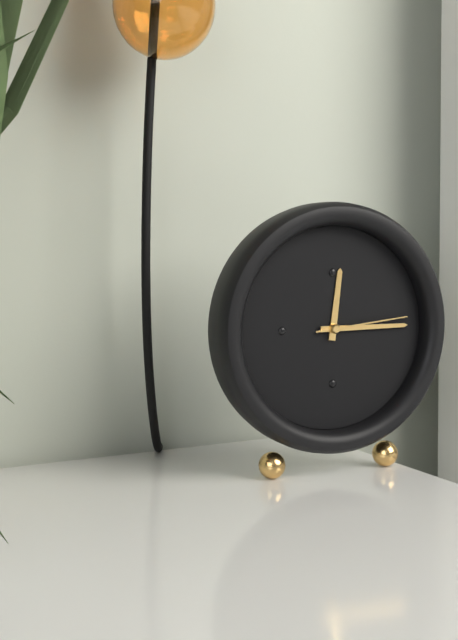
12 h 15 min 14 s
